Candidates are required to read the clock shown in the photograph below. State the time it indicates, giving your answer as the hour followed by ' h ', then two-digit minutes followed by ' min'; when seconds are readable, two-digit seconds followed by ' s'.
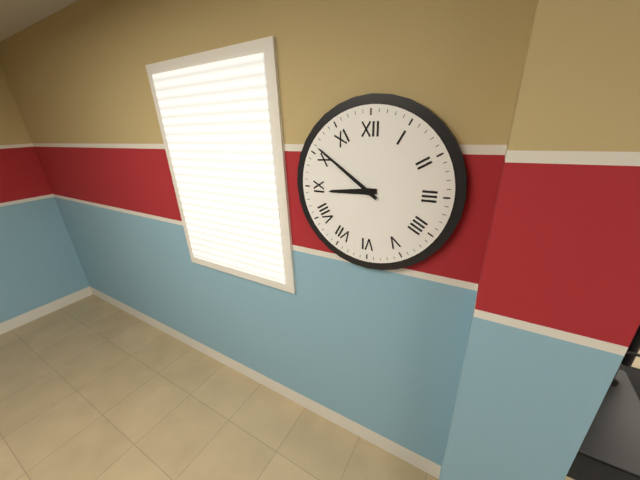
8 h 51 min
